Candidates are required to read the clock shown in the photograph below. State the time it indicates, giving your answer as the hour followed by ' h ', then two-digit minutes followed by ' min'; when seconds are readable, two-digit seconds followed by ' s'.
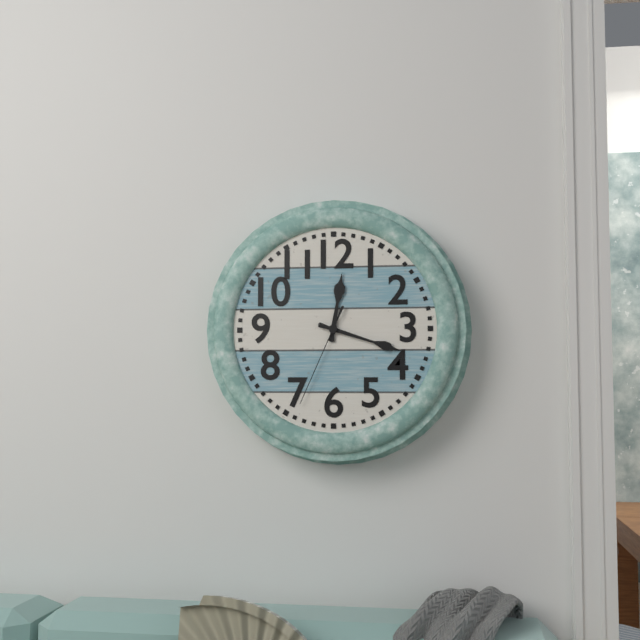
12 h 18 min 34 s
